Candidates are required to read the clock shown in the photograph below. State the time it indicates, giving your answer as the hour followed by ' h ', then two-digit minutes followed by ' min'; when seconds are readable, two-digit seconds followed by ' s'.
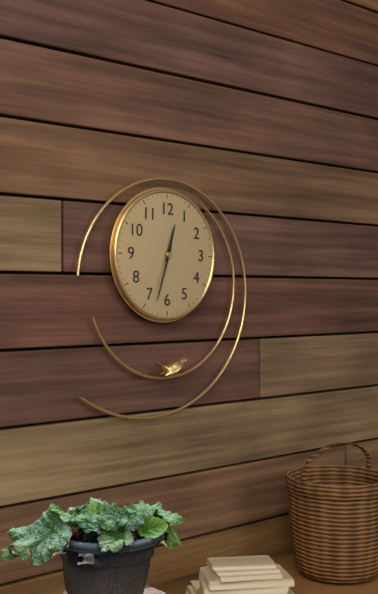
12 h 33 min
